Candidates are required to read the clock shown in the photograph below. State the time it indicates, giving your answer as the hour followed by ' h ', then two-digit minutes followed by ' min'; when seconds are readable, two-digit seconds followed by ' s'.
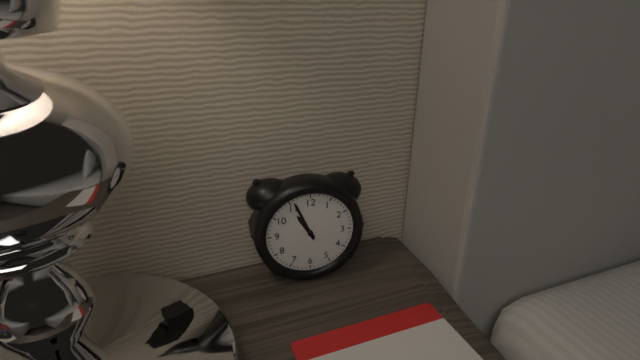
10 h 56 min
